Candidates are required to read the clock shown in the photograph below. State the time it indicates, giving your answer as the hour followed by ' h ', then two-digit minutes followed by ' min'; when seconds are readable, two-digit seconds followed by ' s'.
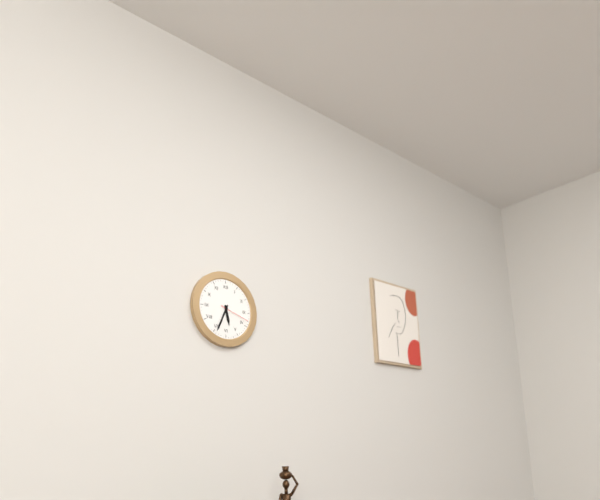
5 h 34 min
